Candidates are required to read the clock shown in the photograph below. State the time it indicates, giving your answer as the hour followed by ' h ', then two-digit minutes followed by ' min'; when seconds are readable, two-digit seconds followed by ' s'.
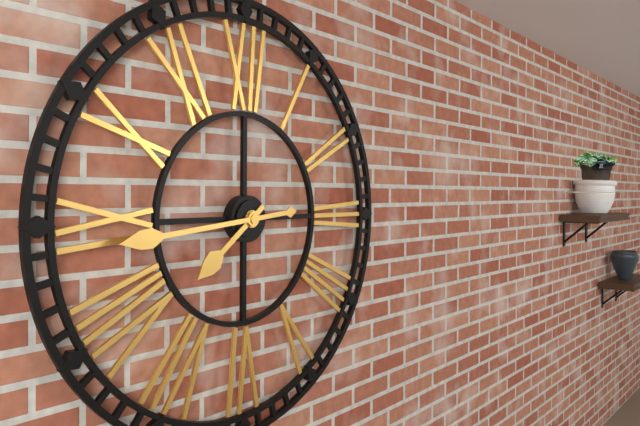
7 h 44 min
